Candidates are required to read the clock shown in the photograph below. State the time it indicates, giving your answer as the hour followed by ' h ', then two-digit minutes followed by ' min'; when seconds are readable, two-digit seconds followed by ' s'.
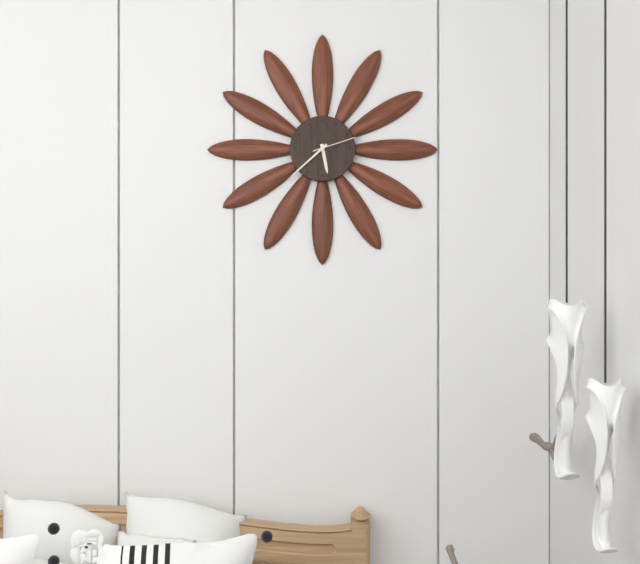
5 h 38 min
